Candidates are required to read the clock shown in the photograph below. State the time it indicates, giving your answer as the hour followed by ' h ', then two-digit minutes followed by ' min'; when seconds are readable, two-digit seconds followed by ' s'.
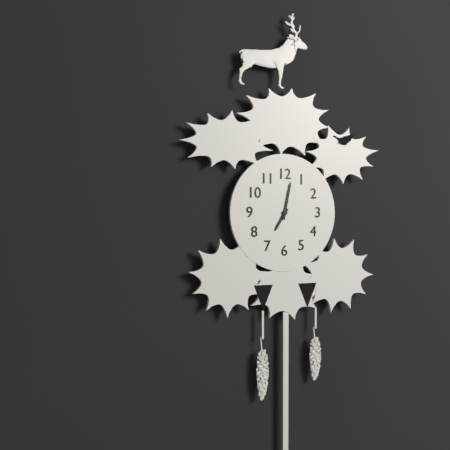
7 h 02 min
